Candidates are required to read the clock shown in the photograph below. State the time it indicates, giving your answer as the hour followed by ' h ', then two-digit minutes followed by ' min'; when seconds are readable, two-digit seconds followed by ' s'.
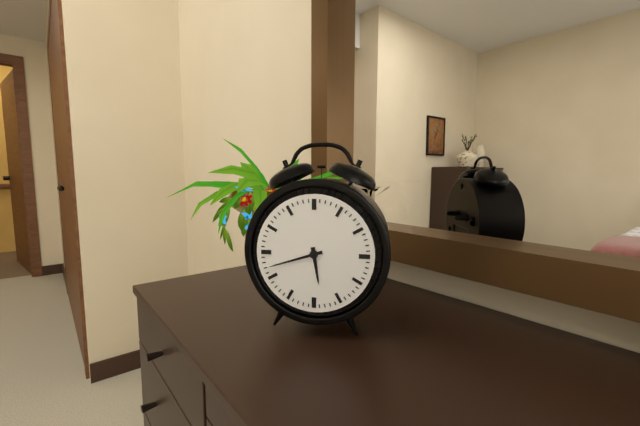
5 h 42 min
